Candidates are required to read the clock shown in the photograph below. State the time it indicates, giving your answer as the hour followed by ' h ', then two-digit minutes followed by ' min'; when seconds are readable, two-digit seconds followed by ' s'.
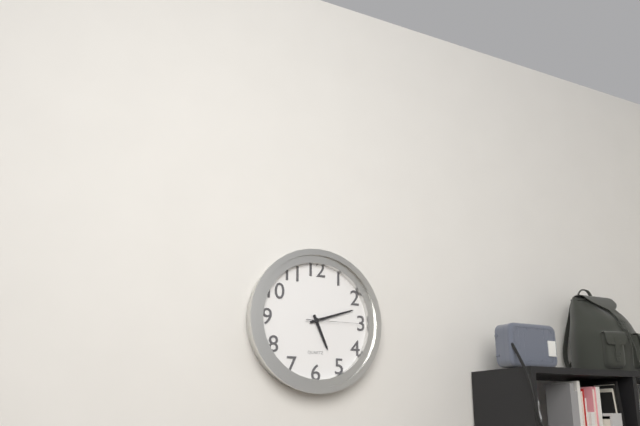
5 h 12 min 15 s
